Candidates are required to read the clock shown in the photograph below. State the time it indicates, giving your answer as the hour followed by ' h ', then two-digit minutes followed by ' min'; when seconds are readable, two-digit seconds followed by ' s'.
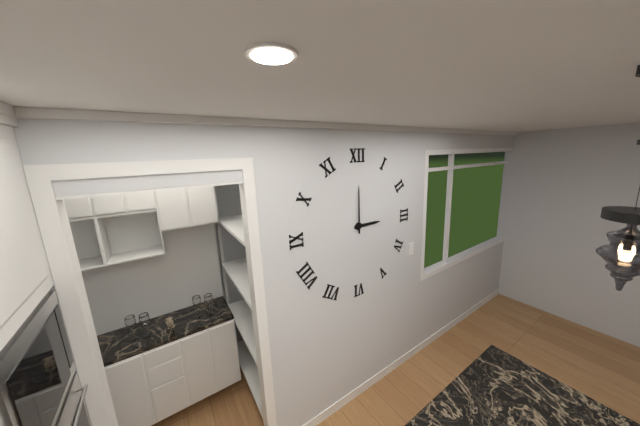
3 h 00 min
